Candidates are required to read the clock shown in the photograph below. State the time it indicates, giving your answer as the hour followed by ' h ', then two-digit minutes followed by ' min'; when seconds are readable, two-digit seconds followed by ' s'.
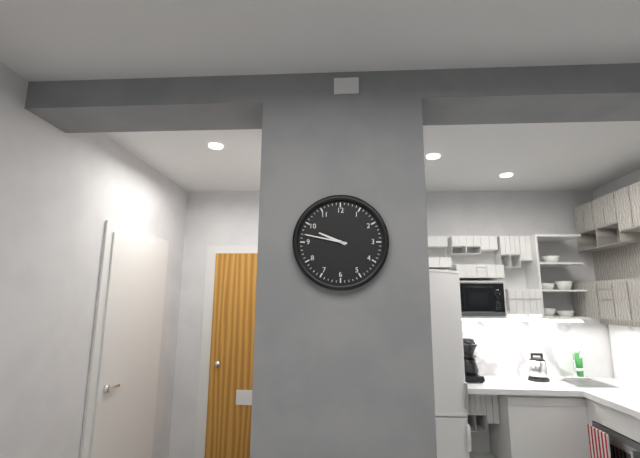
9 h 47 min
